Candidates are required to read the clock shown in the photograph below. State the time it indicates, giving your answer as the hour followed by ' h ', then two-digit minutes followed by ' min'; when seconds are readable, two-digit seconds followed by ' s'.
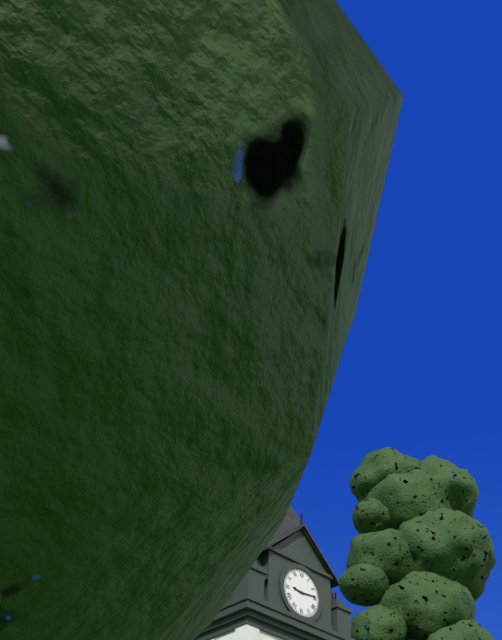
9 h 14 min
